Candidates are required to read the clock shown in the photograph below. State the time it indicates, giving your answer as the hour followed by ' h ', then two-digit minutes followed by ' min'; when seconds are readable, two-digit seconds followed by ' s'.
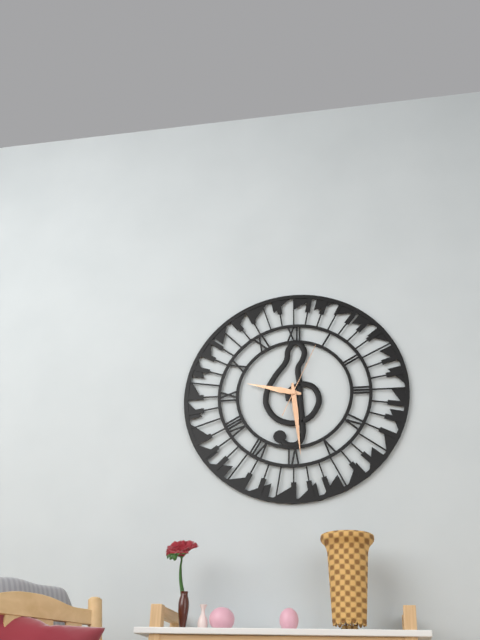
9 h 29 min 04 s
